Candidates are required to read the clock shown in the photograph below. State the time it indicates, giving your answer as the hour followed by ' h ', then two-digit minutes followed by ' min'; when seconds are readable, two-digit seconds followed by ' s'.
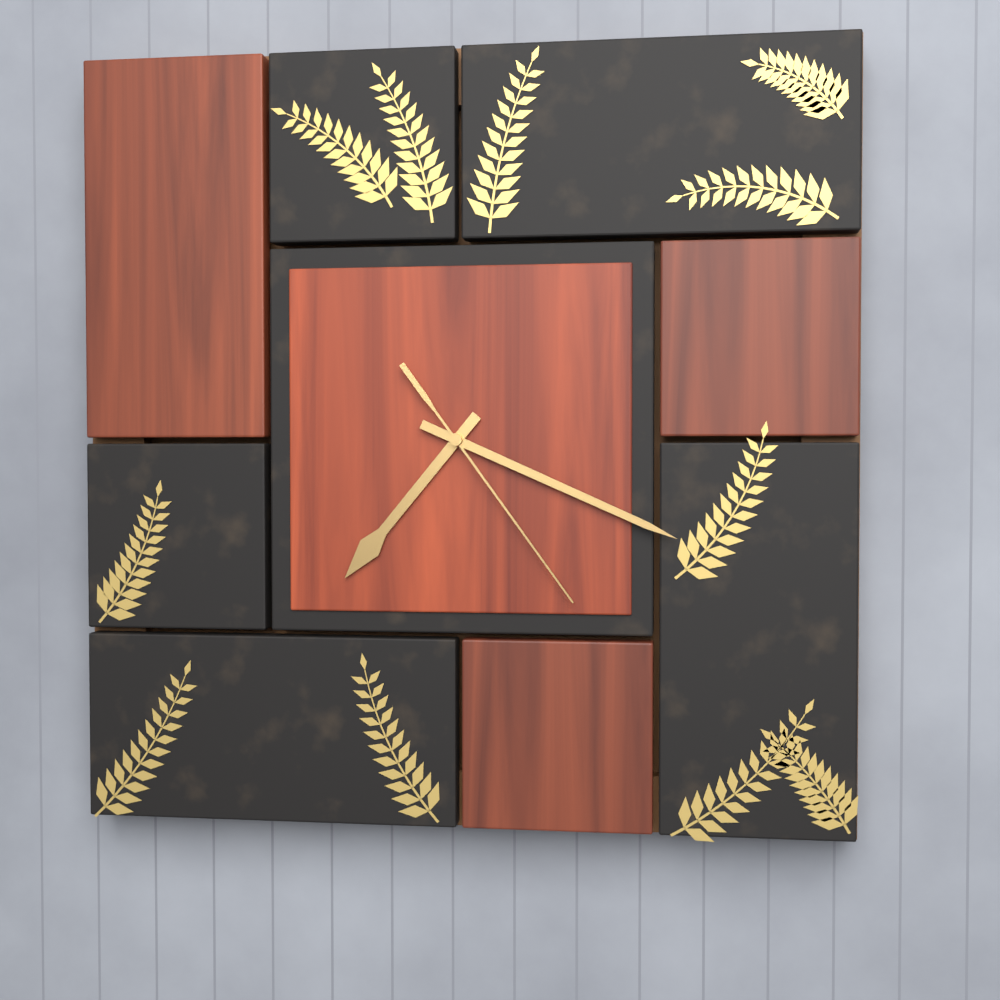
7 h 19 min 24 s
